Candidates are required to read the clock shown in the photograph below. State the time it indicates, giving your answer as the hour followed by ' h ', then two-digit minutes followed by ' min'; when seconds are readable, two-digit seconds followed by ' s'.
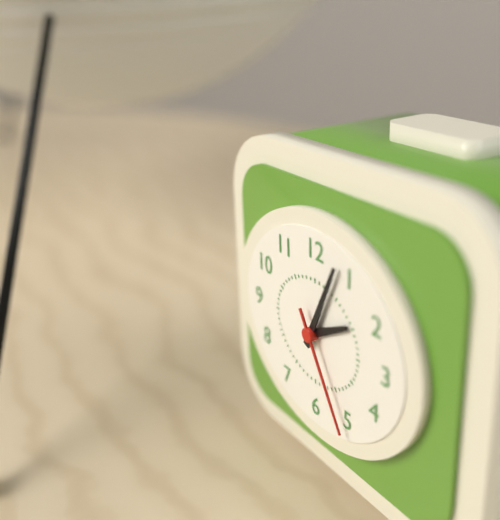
2 h 04 min 25 s
